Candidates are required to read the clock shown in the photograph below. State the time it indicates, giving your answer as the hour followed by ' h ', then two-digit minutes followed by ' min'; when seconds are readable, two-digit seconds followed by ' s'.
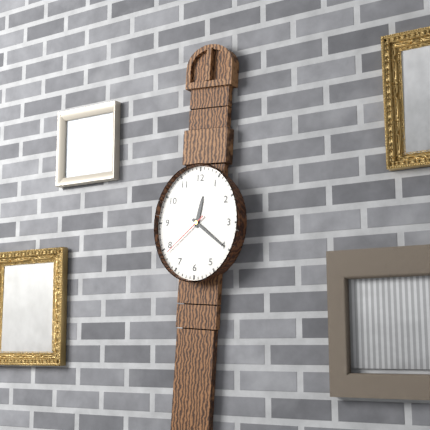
12 h 21 min 38 s
